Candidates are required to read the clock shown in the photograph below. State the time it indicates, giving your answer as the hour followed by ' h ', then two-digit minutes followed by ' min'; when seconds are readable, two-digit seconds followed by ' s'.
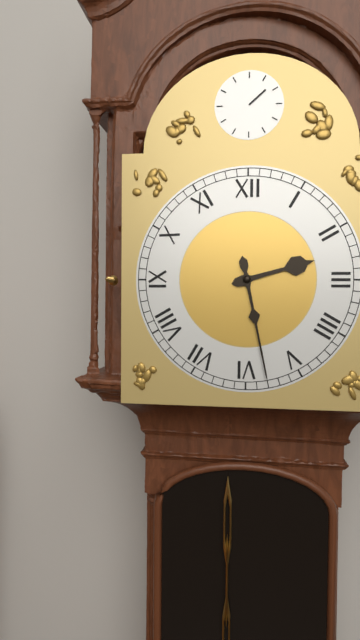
2 h 28 min
